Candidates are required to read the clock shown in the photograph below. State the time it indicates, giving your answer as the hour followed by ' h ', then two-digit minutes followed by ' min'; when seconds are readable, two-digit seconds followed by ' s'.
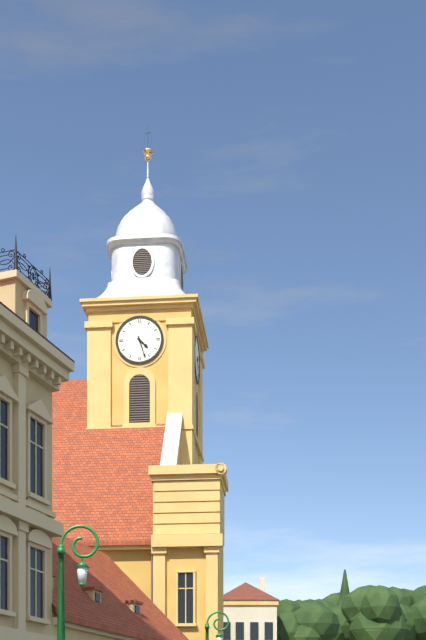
4 h 27 min
